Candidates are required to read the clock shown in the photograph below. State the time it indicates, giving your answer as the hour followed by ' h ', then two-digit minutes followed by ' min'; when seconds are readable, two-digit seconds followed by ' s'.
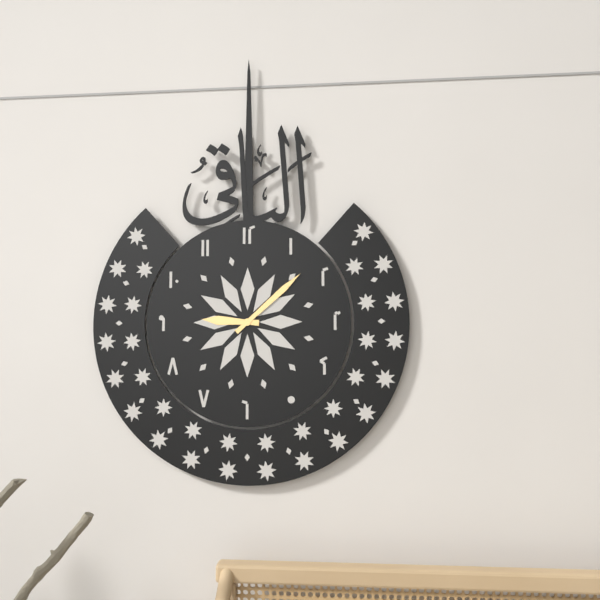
9 h 08 min
